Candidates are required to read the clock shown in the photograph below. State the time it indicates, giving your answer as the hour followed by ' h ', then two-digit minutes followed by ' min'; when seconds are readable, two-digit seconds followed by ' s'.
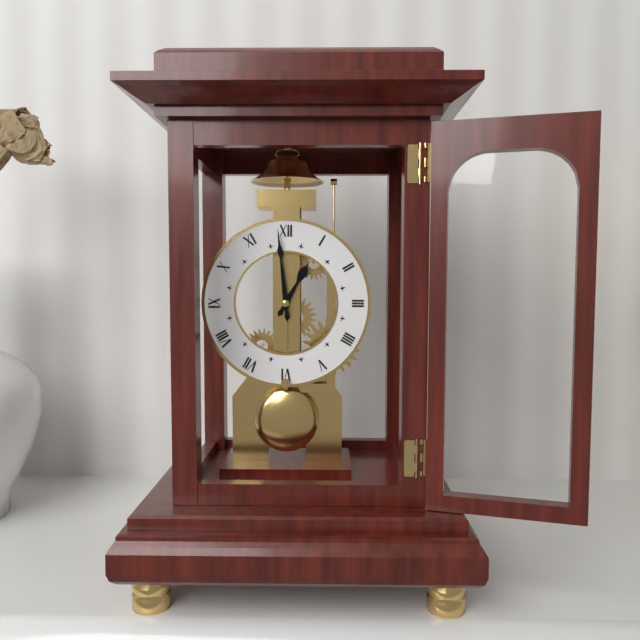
12 h 59 min
